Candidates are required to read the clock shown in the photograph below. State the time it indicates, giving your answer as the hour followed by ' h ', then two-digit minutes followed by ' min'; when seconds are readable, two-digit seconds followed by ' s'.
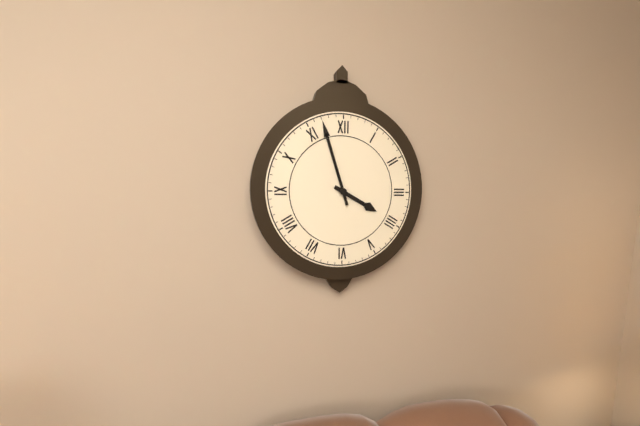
3 h 57 min
